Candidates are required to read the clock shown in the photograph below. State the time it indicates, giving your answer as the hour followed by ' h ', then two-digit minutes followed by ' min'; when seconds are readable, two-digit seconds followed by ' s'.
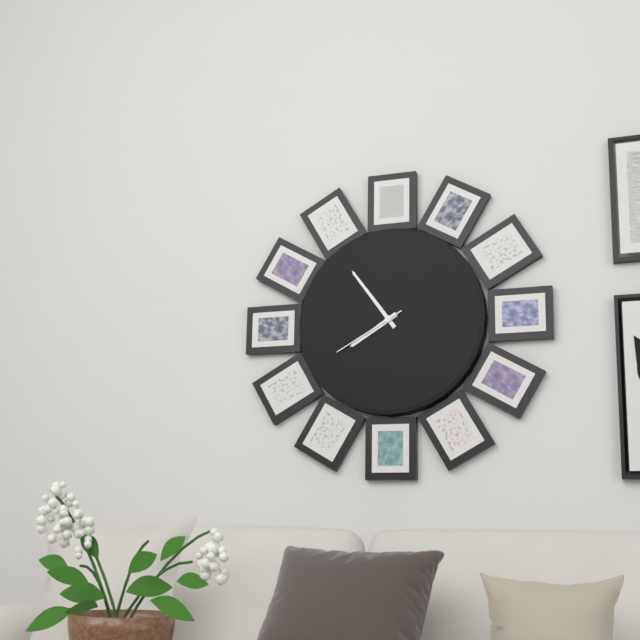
7 h 54 min 40 s
